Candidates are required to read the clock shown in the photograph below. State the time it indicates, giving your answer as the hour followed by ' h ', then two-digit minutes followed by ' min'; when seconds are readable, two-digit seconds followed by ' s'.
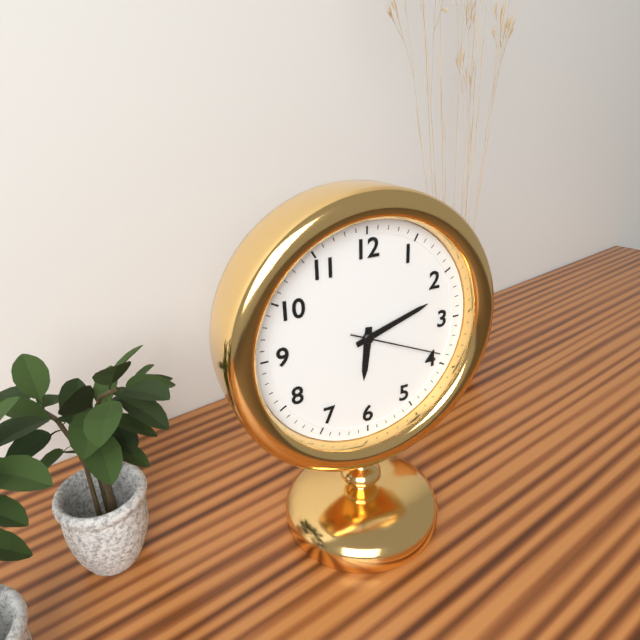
6 h 12 min 19 s
